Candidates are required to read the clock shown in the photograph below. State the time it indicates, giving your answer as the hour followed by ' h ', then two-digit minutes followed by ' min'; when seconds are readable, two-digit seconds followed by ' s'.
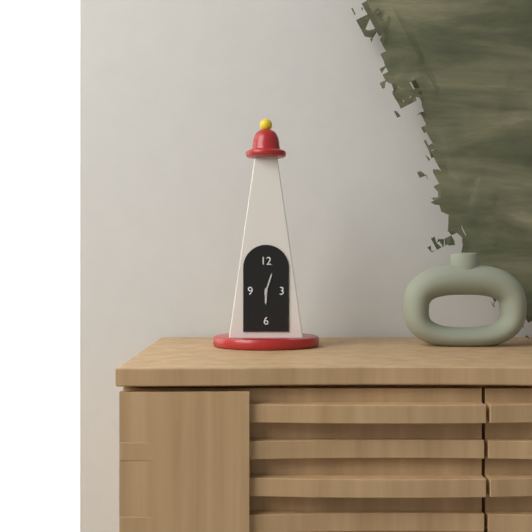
6 h 03 min
